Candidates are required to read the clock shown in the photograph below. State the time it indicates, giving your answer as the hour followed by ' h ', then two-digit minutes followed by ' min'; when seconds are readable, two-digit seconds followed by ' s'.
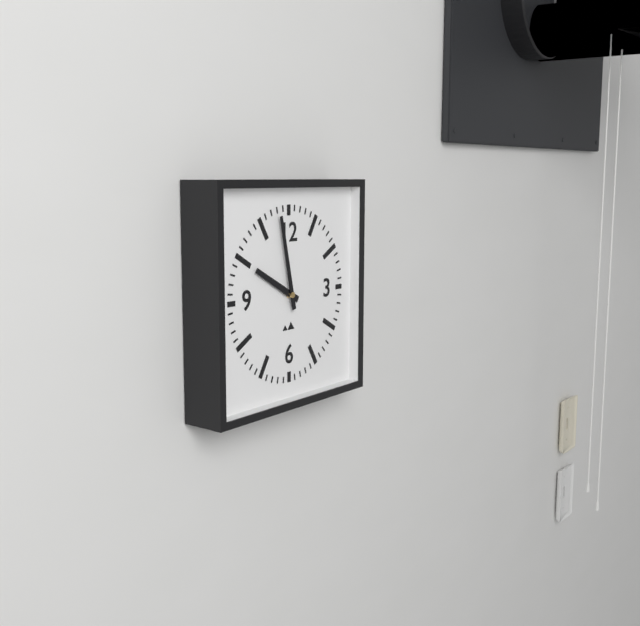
9 h 58 min
